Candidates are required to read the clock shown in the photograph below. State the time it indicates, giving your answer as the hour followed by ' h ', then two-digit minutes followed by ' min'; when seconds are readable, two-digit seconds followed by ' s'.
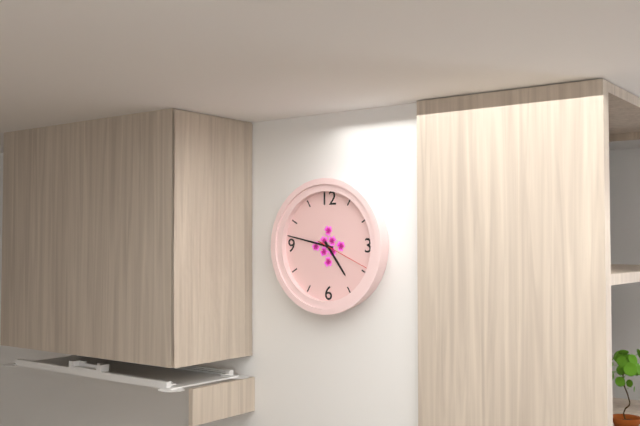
4 h 47 min 19 s
